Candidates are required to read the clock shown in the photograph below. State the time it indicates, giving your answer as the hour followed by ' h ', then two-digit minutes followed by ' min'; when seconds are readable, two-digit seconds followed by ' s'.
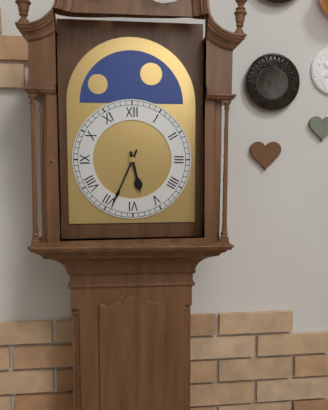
5 h 34 min
